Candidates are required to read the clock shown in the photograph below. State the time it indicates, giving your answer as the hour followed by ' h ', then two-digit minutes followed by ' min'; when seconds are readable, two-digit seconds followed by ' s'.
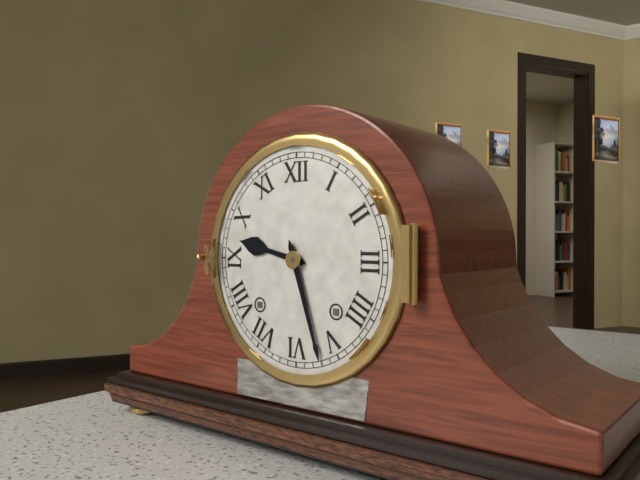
9 h 27 min
